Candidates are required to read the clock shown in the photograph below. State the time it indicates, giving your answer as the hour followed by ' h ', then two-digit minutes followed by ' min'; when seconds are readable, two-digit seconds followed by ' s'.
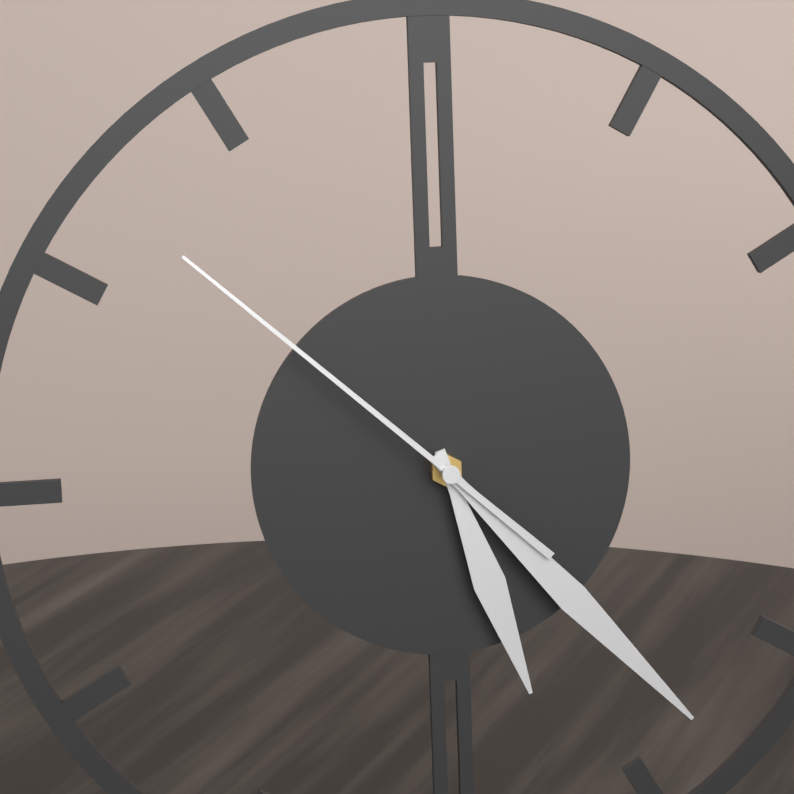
5 h 23 min 52 s
